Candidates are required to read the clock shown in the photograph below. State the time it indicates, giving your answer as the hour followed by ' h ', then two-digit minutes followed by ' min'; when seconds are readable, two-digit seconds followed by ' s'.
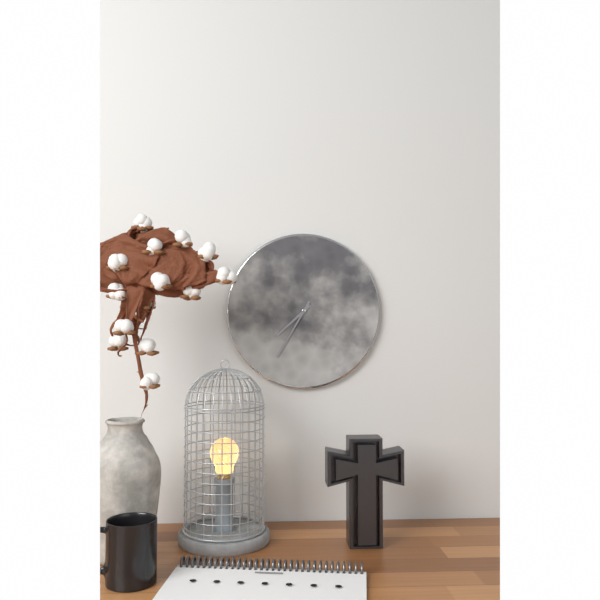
7 h 35 min
